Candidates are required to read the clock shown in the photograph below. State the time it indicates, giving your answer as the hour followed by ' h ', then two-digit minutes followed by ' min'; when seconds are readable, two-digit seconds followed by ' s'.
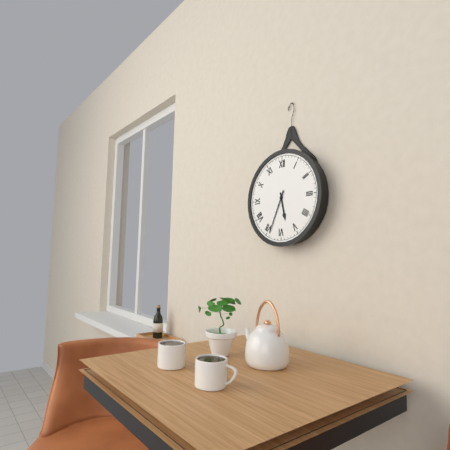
5 h 34 min
